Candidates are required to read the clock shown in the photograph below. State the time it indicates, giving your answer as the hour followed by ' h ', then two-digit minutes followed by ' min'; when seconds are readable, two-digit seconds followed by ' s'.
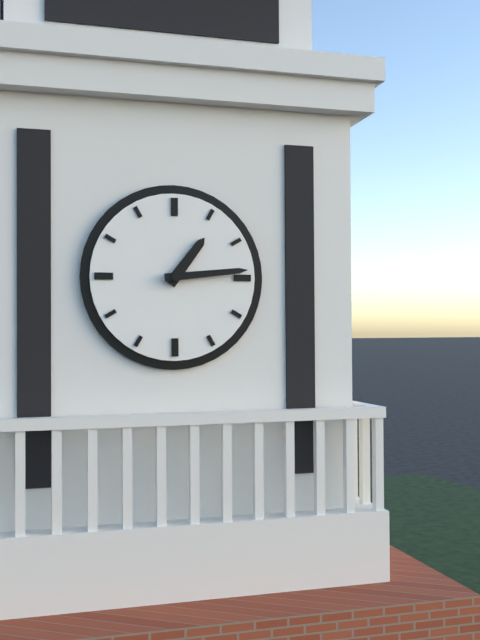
1 h 14 min
